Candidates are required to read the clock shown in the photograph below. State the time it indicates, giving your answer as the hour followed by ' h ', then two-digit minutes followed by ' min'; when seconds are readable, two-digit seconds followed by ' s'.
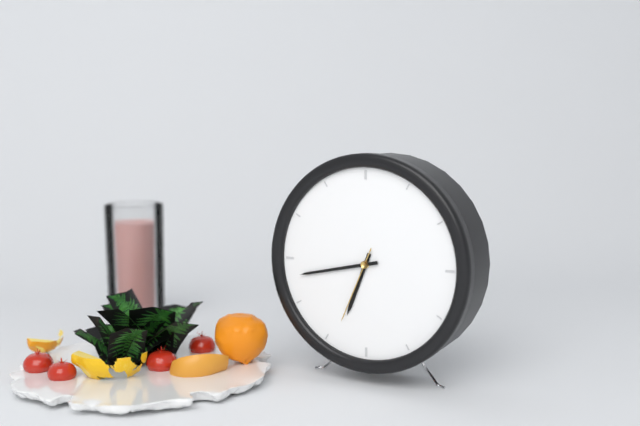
6 h 43 min 34 s
